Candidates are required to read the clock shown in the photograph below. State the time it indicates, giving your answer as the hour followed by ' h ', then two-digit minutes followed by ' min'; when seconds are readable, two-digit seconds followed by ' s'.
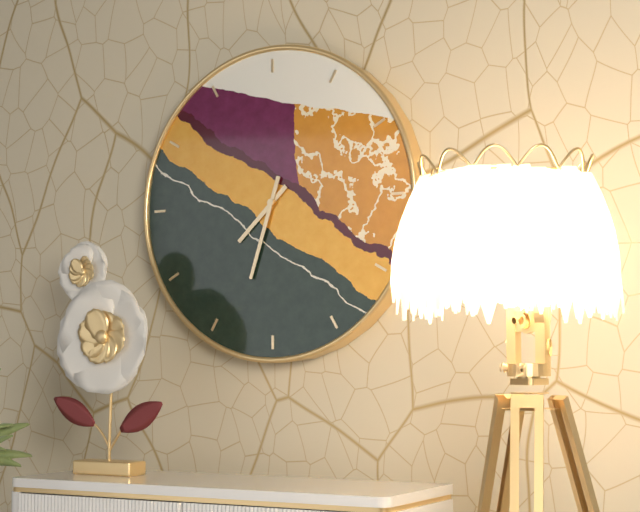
7 h 33 min
